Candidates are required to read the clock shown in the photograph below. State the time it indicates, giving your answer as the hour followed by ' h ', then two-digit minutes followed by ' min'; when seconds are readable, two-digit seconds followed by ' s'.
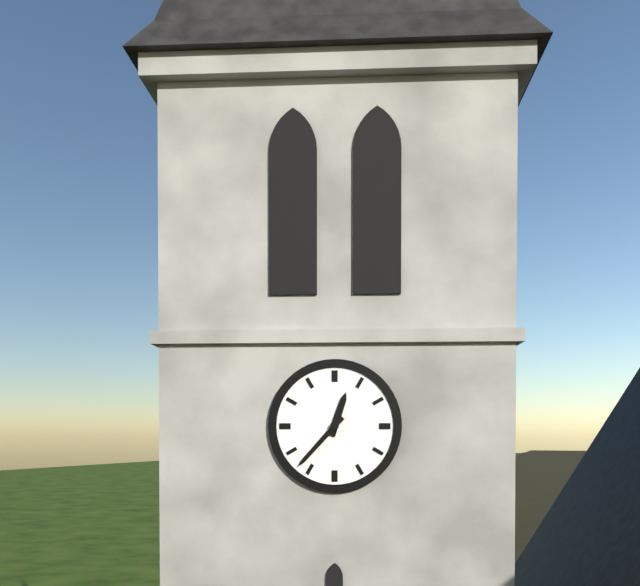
12 h 37 min
